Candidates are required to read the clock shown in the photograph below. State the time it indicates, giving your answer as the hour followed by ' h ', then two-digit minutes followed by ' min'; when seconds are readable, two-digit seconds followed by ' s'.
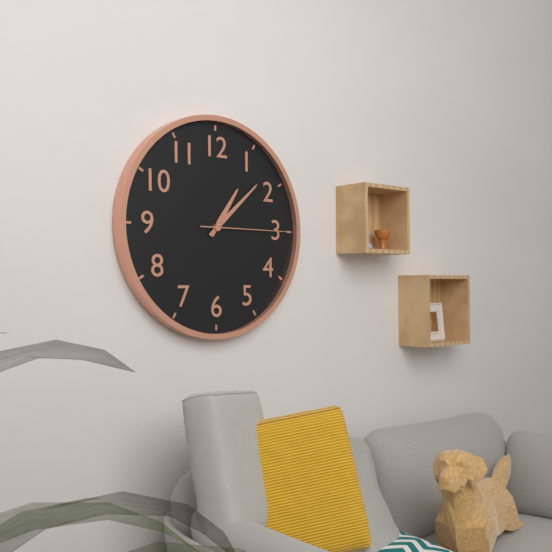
1 h 08 min 15 s
